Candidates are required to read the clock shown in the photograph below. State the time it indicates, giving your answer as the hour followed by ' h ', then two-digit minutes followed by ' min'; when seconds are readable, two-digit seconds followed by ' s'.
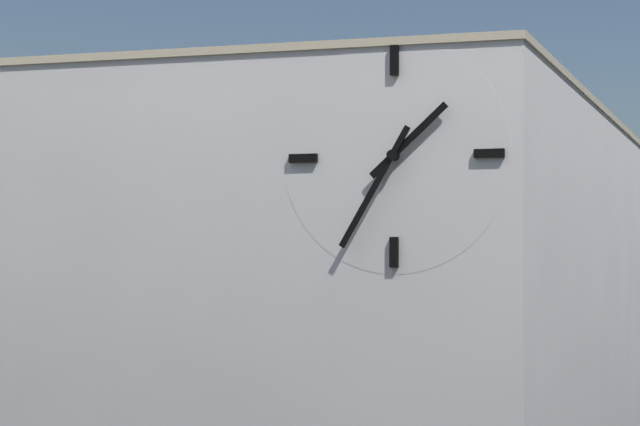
1 h 35 min
